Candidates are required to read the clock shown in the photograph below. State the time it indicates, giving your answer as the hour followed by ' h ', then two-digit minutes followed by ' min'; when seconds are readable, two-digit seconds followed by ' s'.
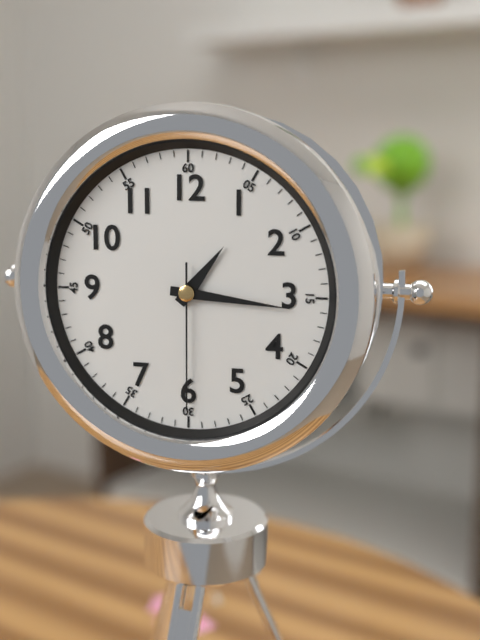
1 h 16 min 30 s
